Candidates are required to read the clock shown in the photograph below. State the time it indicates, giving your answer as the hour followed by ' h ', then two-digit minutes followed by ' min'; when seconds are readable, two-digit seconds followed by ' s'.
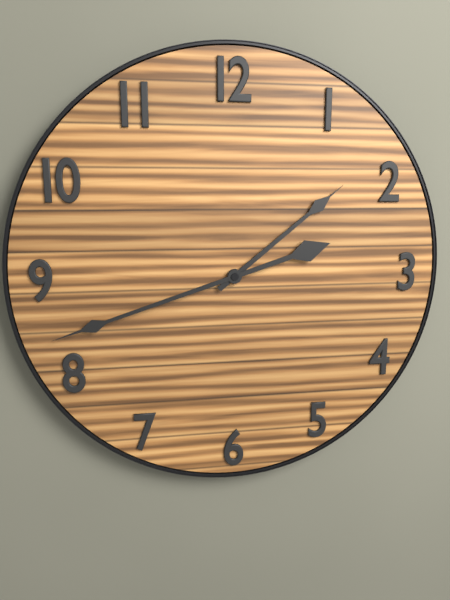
1 h 42 min
